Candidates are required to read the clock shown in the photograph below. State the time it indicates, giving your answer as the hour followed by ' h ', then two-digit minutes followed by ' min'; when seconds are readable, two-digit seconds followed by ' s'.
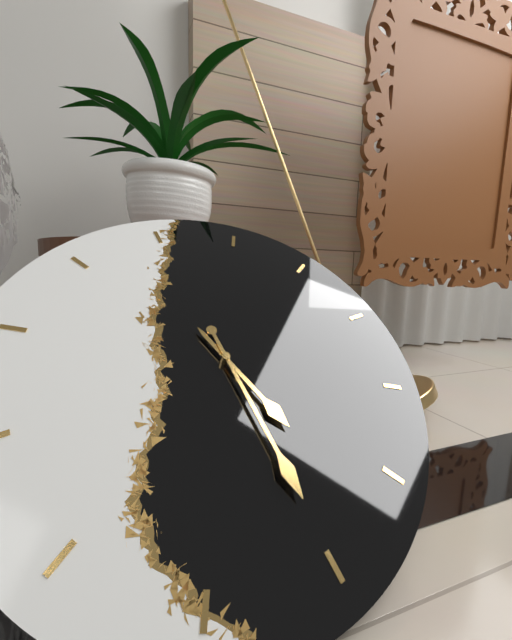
5 h 30 min
